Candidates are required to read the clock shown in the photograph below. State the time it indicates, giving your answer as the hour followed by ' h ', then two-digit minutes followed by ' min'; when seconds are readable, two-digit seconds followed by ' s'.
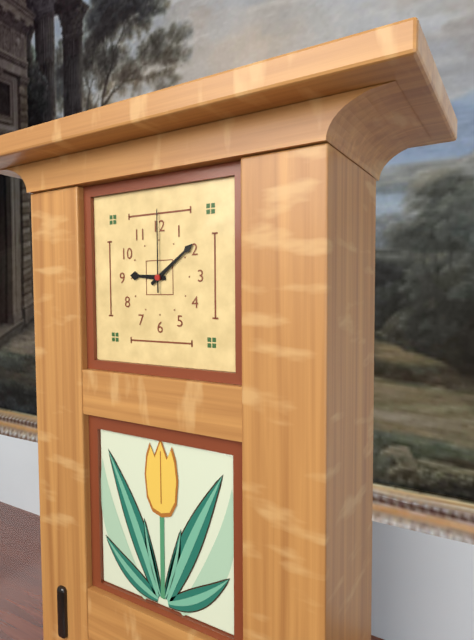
9 h 09 min 00 s
